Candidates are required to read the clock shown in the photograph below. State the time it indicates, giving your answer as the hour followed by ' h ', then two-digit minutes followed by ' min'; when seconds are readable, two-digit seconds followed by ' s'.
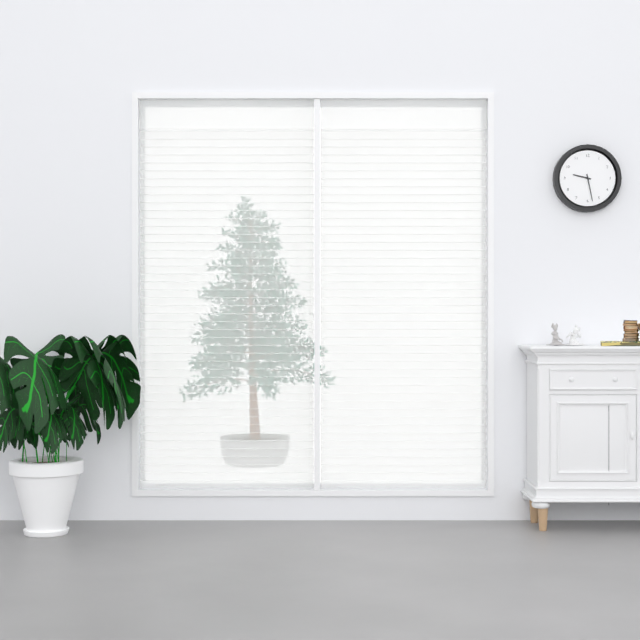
9 h 28 min
